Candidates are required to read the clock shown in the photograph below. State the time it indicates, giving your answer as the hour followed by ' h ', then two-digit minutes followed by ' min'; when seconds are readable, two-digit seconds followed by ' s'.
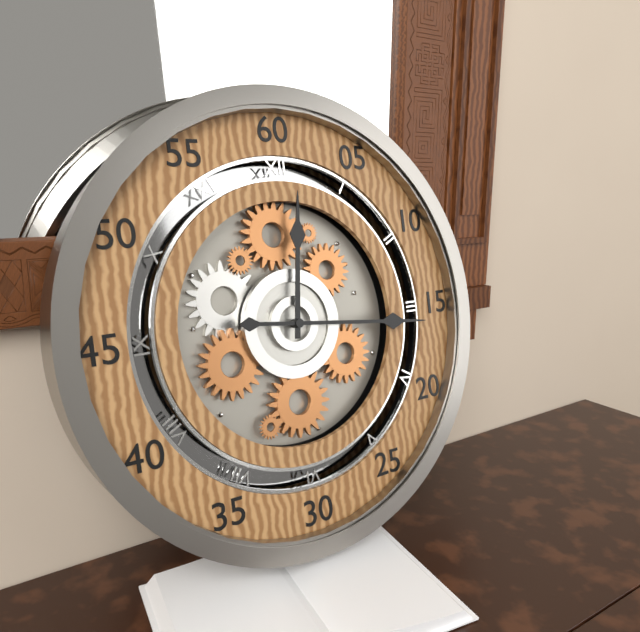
12 h 16 min
